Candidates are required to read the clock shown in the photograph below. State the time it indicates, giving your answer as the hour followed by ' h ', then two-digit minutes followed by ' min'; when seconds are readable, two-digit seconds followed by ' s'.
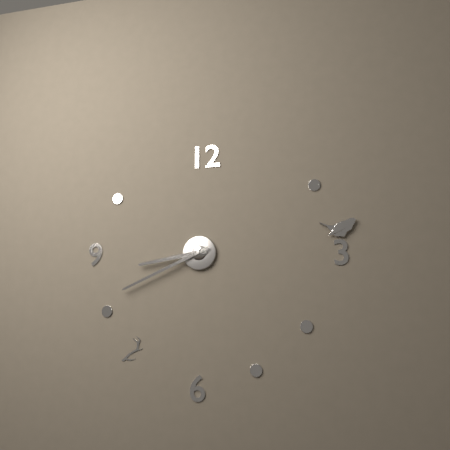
8 h 41 min
